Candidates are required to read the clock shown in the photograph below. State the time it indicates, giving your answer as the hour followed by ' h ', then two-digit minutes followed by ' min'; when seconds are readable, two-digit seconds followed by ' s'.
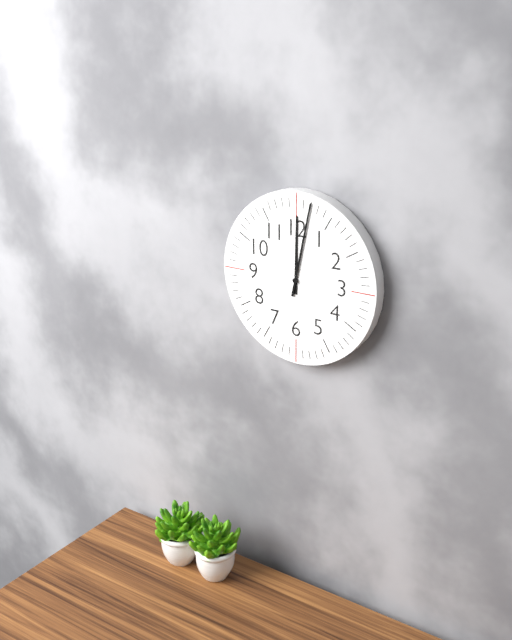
12 h 02 min
